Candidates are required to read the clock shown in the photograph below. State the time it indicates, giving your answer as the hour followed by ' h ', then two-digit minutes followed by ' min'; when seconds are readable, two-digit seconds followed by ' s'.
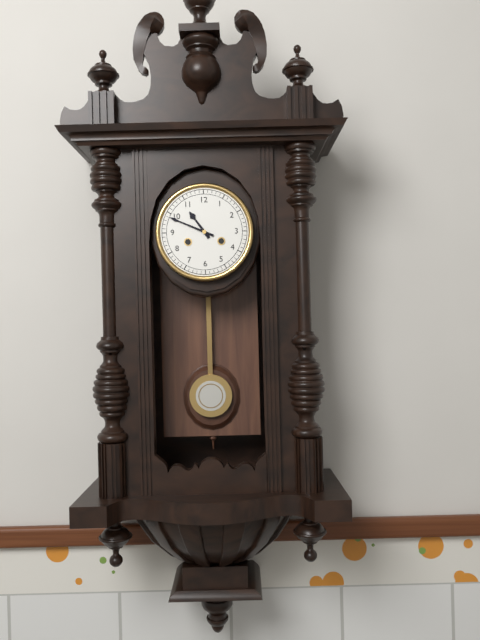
10 h 49 min
